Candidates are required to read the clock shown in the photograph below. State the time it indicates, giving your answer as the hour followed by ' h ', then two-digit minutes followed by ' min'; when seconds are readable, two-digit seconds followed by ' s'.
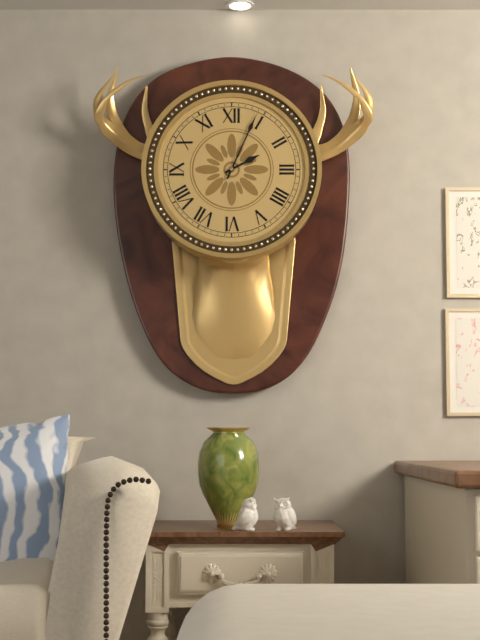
2 h 04 min
